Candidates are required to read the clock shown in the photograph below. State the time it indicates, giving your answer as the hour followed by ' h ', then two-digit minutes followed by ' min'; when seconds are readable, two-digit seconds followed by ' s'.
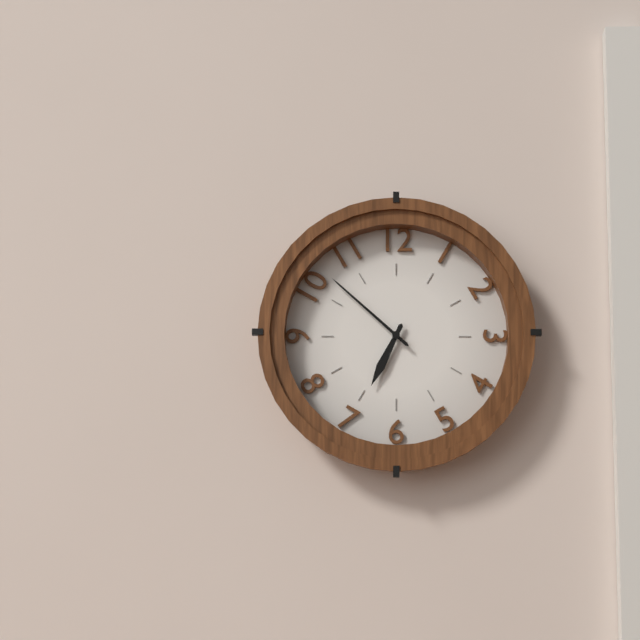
6 h 52 min
